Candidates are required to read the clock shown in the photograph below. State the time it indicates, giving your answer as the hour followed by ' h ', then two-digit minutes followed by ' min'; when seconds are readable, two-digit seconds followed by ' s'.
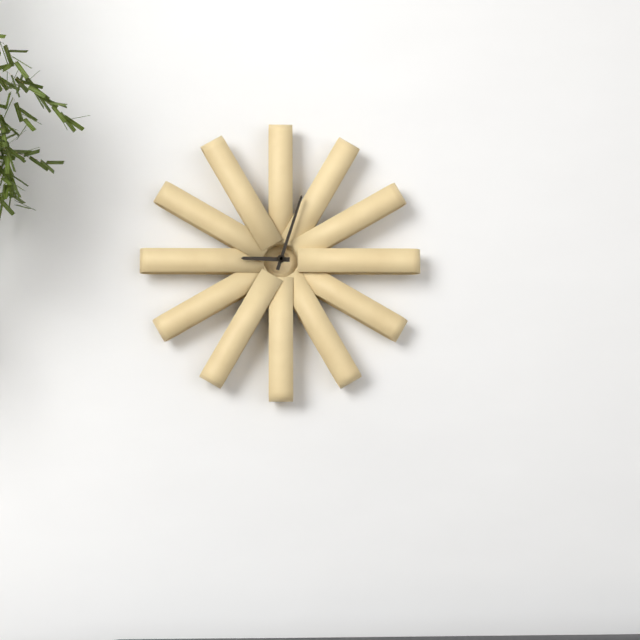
9 h 03 min
